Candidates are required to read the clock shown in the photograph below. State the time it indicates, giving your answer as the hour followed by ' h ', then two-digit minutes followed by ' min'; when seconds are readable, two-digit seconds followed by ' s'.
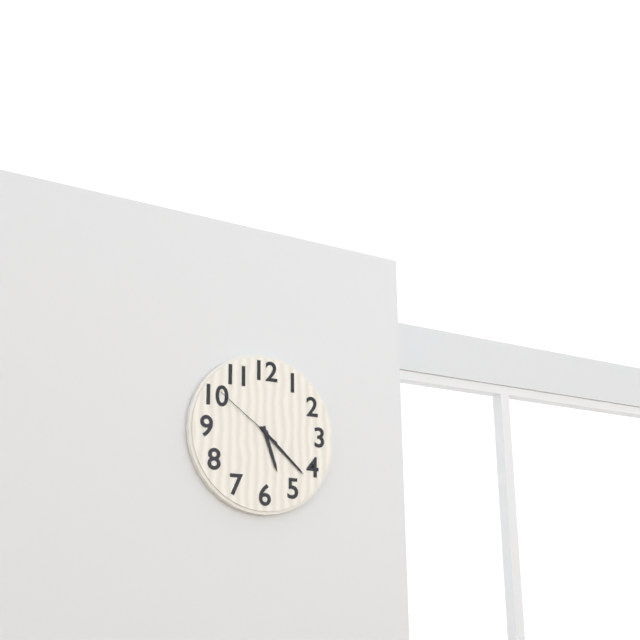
5 h 22 min 51 s
